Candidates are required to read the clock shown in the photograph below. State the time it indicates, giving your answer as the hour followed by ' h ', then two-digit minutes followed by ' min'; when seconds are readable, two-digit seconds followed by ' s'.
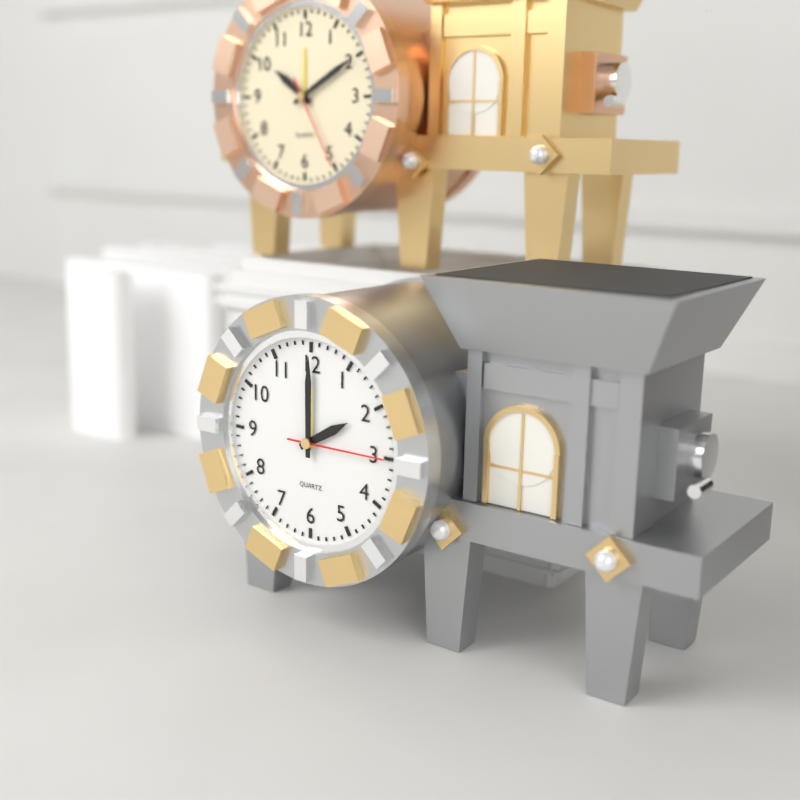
2 h 00 min 15 s
